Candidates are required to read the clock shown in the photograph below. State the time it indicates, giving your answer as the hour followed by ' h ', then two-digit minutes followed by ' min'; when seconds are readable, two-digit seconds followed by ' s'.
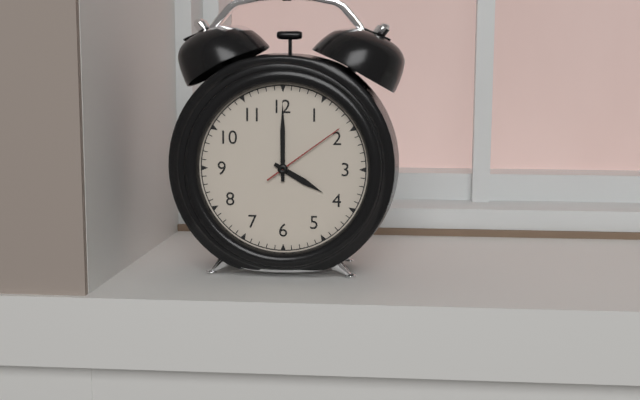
4 h 00 min 09 s
